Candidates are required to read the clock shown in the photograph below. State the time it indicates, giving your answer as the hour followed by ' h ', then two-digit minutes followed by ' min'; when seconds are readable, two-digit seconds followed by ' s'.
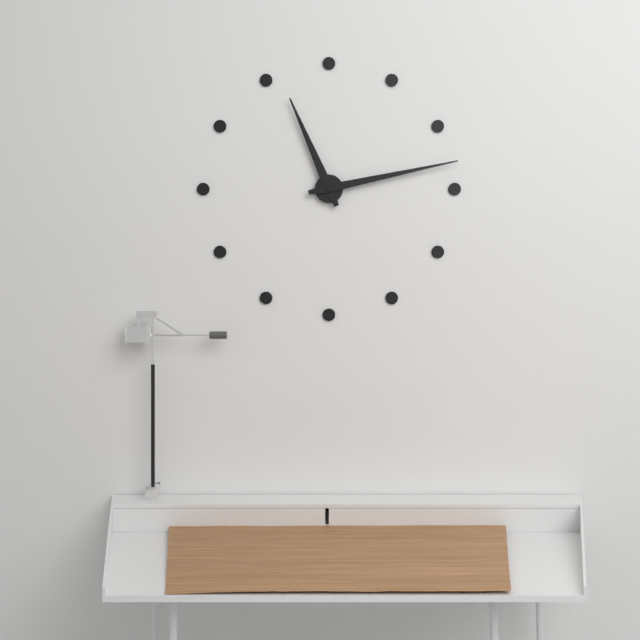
11 h 13 min
